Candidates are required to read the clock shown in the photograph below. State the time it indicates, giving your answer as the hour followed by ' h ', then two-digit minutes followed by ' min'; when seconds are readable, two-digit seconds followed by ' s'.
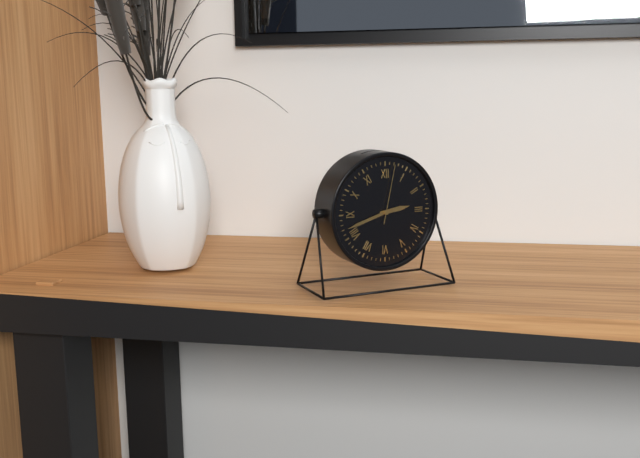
2 h 42 min 02 s
